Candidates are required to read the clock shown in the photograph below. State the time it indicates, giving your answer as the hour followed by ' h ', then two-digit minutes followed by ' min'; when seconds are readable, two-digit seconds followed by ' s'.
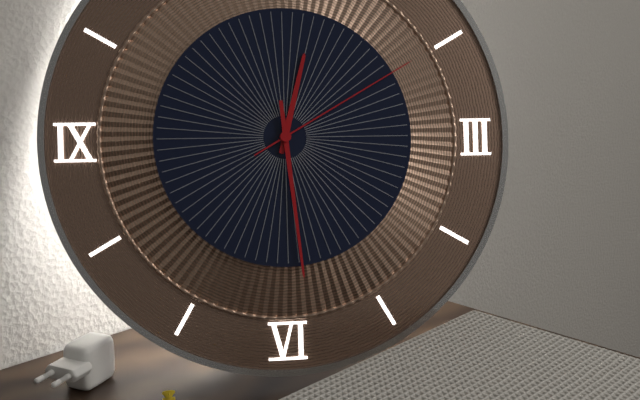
12 h 29 min 10 s
